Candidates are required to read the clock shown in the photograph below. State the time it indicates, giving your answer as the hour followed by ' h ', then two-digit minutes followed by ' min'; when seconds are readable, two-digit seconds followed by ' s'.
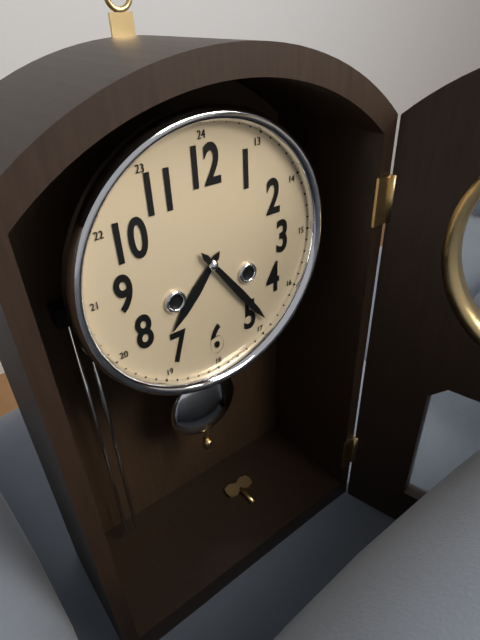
7 h 24 min
